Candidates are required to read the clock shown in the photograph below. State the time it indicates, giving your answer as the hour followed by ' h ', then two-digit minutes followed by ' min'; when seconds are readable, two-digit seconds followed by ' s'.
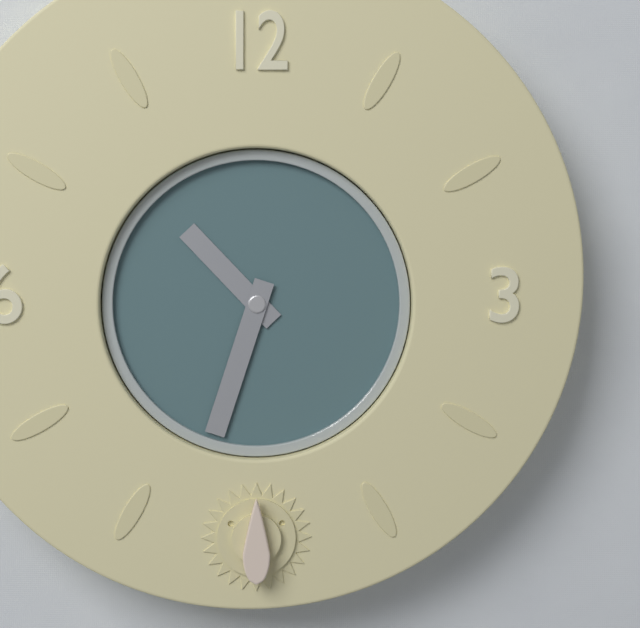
10 h 33 min
